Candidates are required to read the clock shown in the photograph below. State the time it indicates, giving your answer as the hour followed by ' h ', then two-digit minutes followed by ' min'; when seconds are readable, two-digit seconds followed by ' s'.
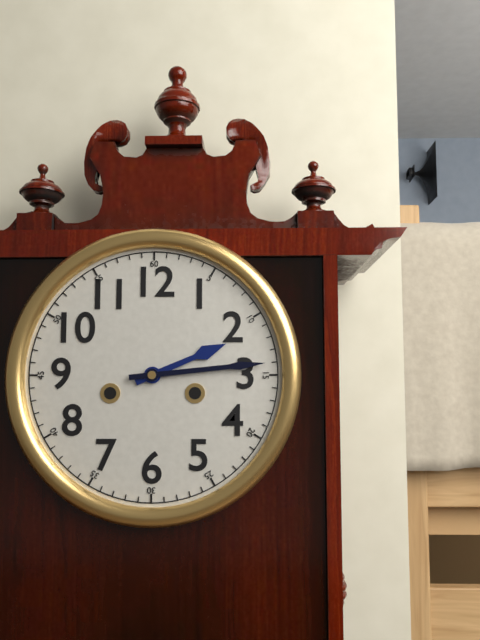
2 h 14 min
